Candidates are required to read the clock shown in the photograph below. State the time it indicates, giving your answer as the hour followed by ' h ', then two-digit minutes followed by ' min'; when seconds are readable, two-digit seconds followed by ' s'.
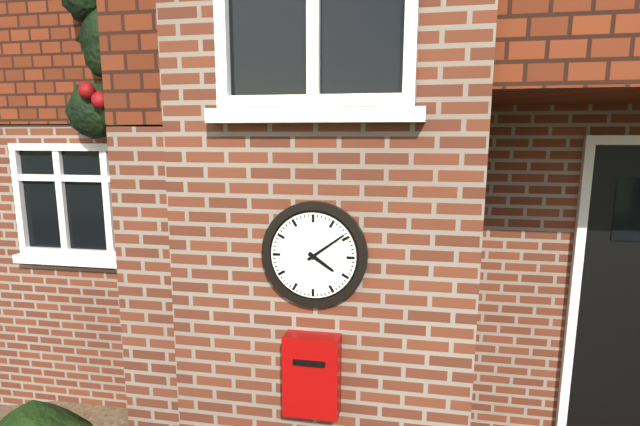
4 h 09 min
